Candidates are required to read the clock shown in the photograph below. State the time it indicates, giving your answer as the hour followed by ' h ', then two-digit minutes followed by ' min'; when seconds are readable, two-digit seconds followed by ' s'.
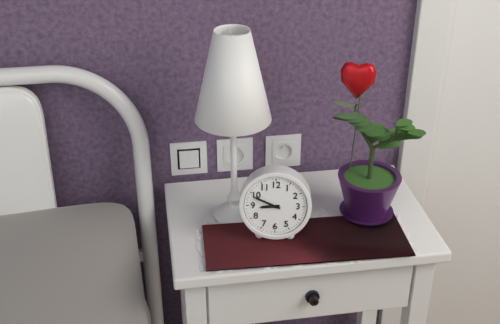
8 h 49 min
